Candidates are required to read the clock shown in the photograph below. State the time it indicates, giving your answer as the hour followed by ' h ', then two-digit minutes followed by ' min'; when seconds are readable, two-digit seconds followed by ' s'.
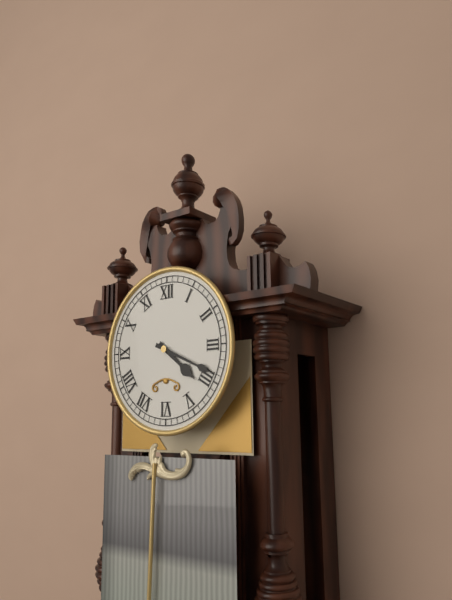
4 h 19 min
